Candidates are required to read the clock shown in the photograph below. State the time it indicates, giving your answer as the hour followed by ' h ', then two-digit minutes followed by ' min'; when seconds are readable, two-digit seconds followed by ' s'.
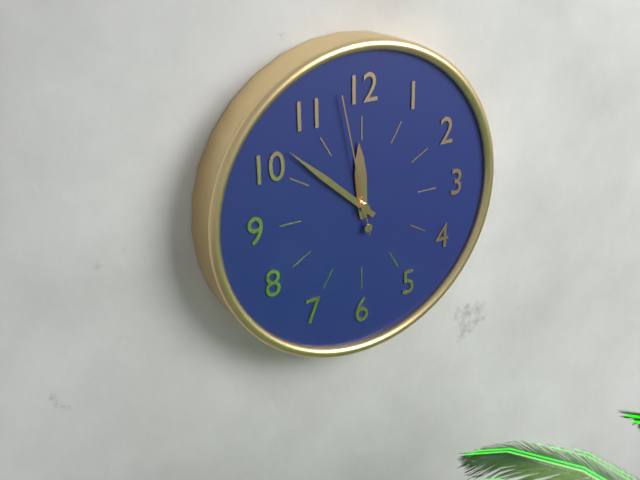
11 h 52 min 58 s
